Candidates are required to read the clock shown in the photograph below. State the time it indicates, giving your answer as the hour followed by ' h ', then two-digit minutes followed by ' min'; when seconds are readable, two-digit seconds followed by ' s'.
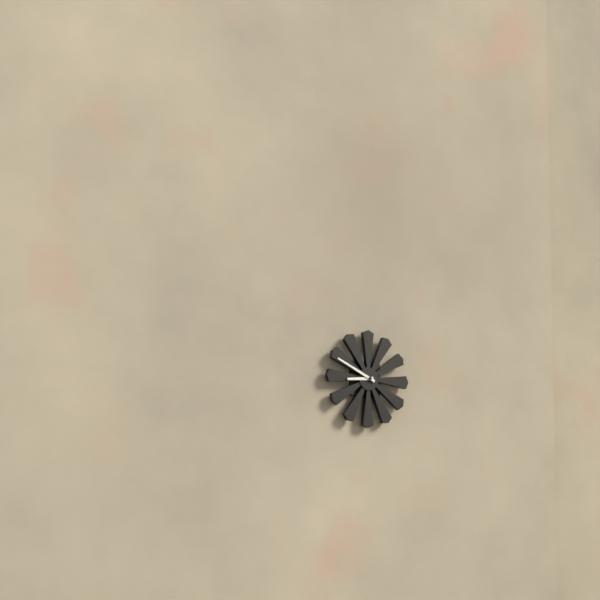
8 h 49 min
